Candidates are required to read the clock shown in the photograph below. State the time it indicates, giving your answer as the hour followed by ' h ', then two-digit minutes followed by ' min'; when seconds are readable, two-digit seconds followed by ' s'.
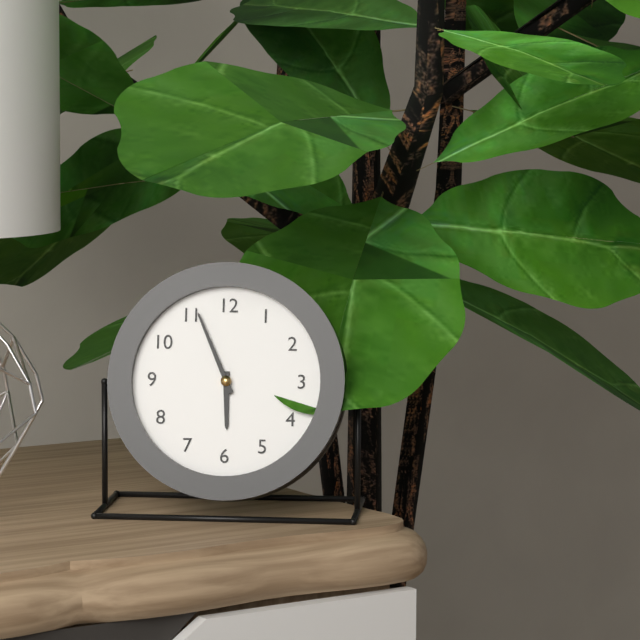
5 h 56 min
